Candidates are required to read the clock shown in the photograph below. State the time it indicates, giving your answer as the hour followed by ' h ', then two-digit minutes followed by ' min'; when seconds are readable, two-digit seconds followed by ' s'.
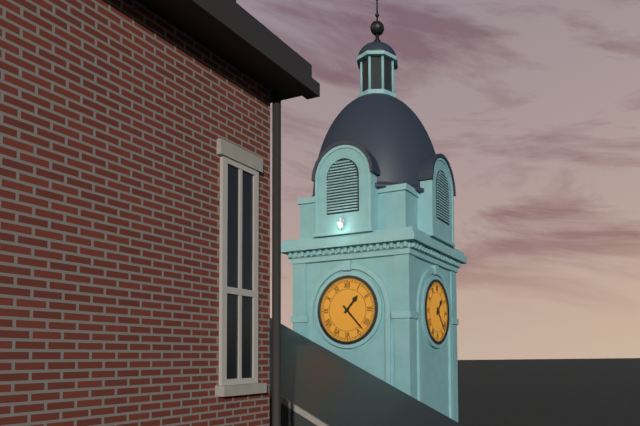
1 h 23 min
